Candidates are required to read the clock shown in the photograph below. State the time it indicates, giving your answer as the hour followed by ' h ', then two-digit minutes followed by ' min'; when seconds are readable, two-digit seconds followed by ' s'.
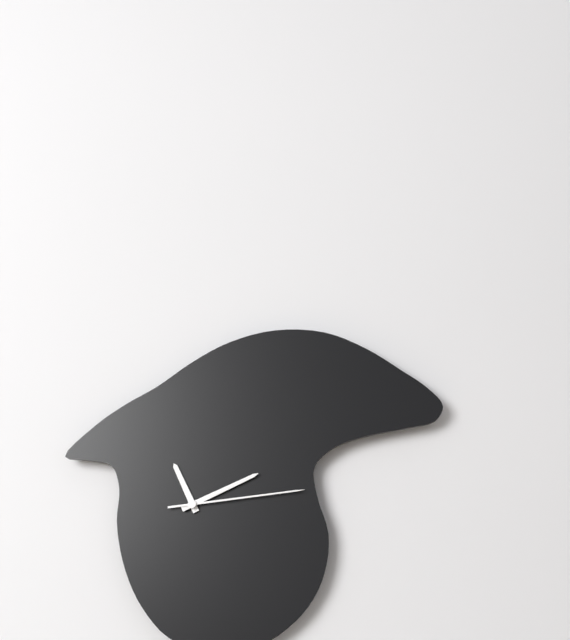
11 h 11 min 14 s
